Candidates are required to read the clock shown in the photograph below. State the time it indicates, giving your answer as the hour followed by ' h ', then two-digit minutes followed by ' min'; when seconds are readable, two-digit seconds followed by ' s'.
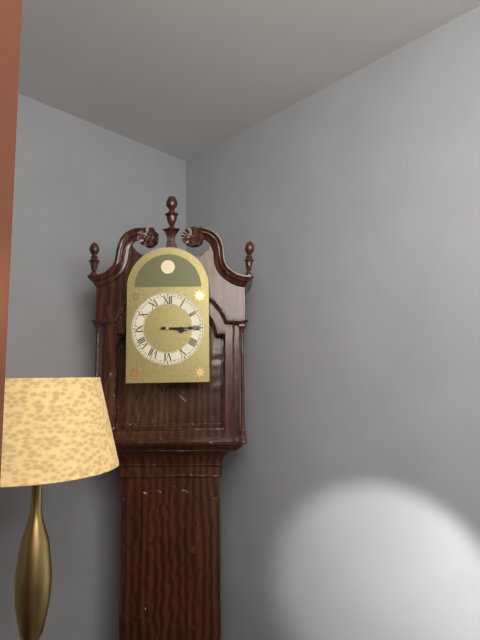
3 h 15 min
